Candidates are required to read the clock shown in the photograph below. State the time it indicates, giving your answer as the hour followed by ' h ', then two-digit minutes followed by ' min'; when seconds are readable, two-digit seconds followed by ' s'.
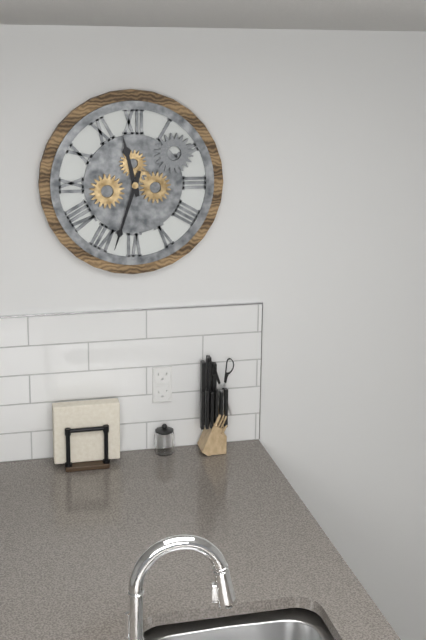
11 h 33 min
